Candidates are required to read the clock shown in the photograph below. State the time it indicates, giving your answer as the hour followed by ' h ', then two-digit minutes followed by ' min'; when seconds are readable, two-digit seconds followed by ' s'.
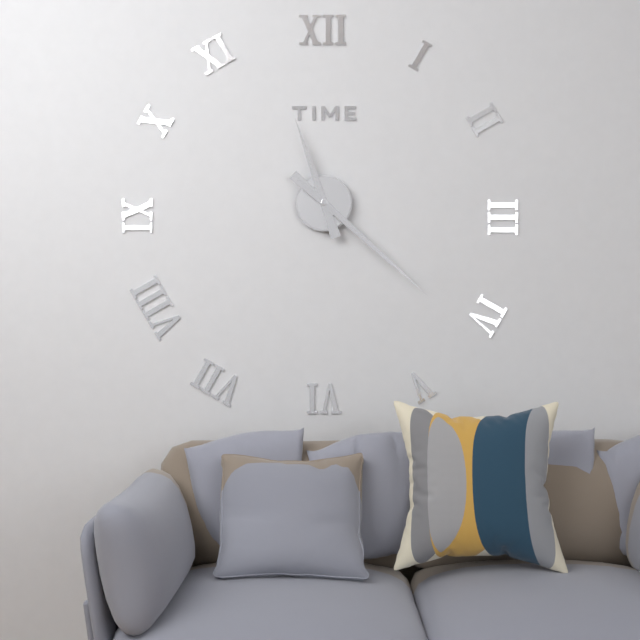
11 h 22 min
